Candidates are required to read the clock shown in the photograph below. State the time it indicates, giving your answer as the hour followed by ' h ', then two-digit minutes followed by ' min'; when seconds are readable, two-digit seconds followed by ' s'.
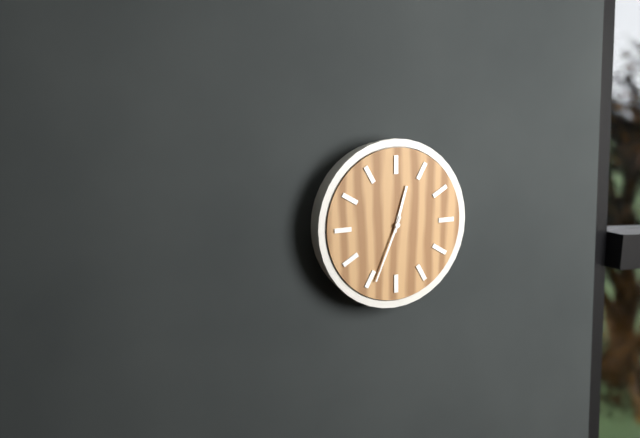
12 h 34 min
